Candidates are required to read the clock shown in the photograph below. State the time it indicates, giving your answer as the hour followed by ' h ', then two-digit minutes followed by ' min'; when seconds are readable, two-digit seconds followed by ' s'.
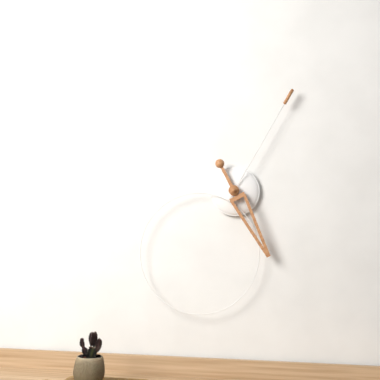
5 h 05 min
